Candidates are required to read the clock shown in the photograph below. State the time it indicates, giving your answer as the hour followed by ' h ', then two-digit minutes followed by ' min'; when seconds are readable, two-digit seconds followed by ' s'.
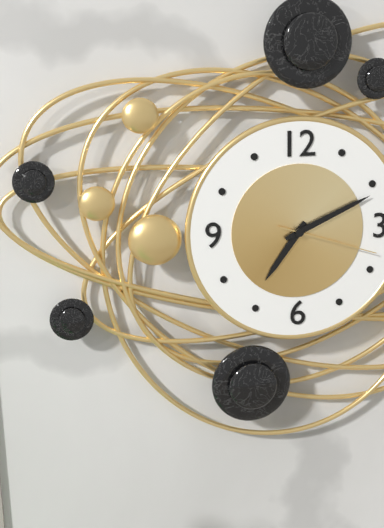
7 h 11 min 18 s
